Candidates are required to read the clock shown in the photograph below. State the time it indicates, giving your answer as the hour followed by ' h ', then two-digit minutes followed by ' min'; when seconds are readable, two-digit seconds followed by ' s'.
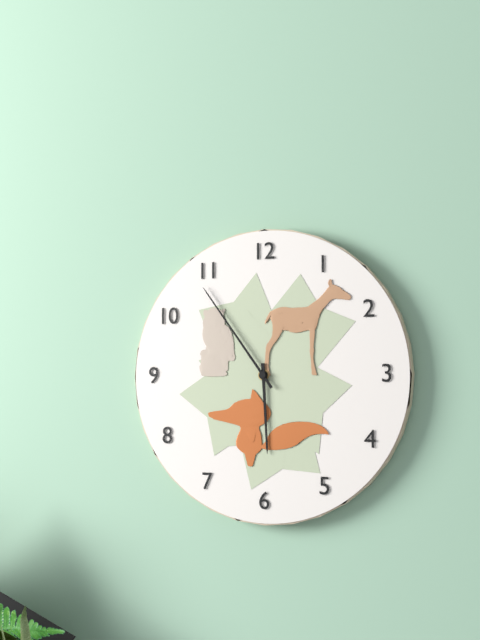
5 h 54 min
